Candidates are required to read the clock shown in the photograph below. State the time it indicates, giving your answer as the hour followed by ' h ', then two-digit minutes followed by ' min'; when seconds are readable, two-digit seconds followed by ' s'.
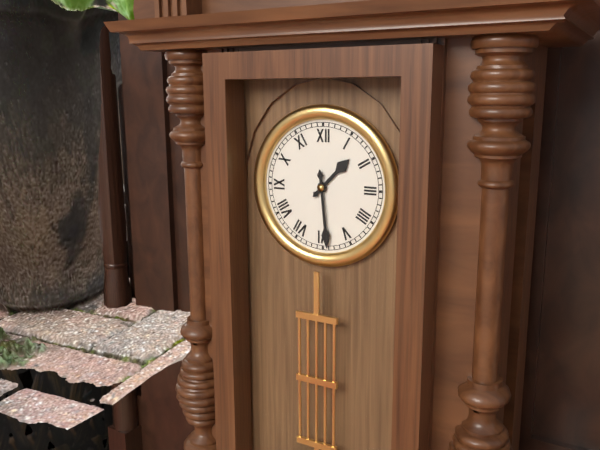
1 h 29 min
